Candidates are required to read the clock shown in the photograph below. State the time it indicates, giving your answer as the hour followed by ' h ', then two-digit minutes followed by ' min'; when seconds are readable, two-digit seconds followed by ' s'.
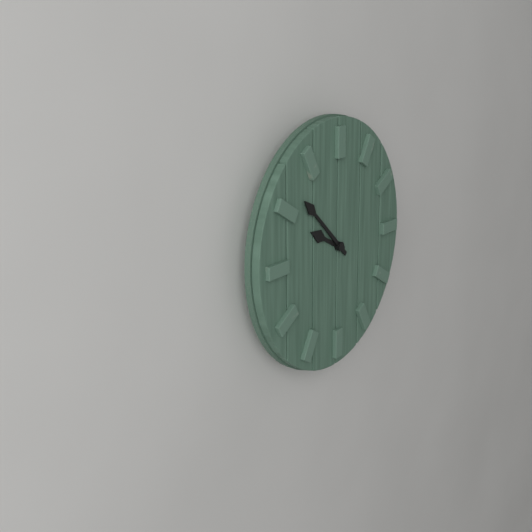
9 h 52 min
